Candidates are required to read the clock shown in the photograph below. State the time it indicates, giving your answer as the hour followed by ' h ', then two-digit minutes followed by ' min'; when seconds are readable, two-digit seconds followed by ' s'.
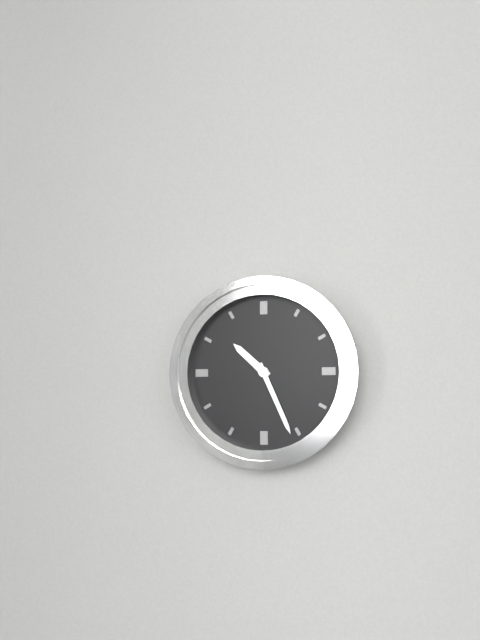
10 h 26 min
